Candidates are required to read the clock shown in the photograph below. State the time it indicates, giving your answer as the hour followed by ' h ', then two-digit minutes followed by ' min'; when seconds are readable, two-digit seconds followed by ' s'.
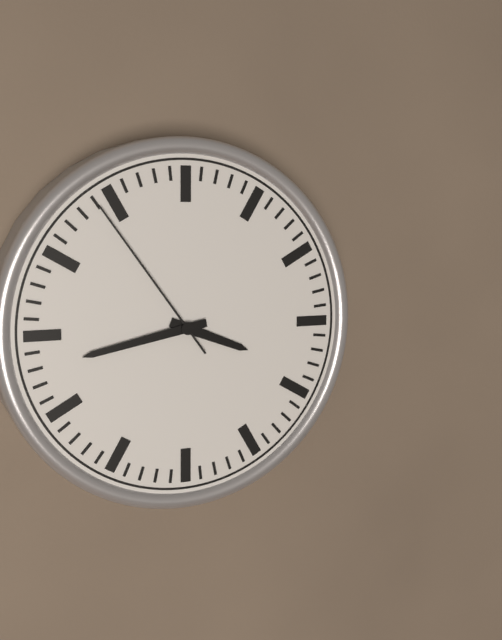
3 h 43 min 54 s
